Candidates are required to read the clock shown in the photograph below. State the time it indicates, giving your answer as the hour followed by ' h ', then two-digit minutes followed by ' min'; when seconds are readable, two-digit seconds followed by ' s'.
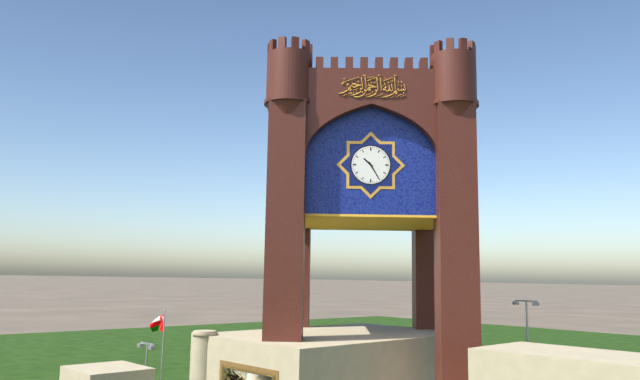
10 h 25 min
